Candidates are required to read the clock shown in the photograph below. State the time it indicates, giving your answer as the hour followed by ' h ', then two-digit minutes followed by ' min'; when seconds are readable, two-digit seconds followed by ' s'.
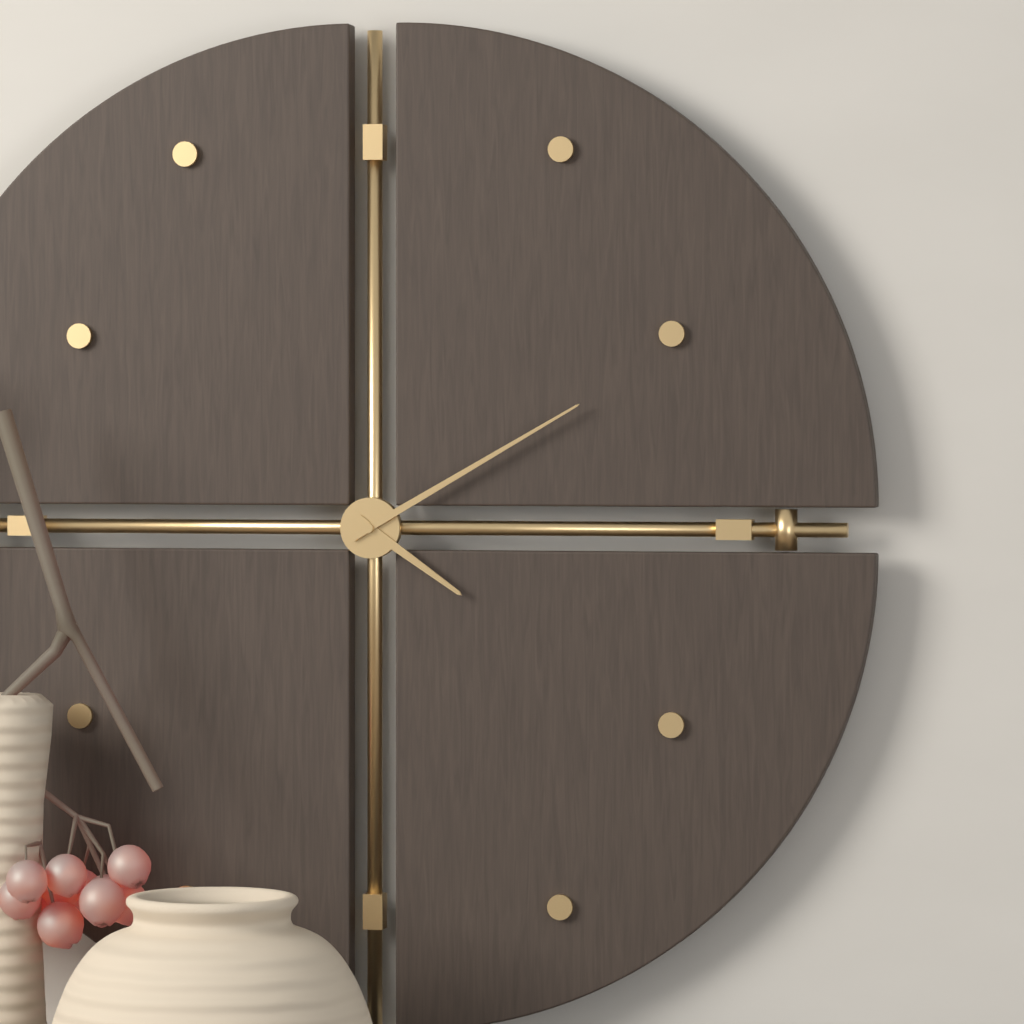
4 h 10 min
